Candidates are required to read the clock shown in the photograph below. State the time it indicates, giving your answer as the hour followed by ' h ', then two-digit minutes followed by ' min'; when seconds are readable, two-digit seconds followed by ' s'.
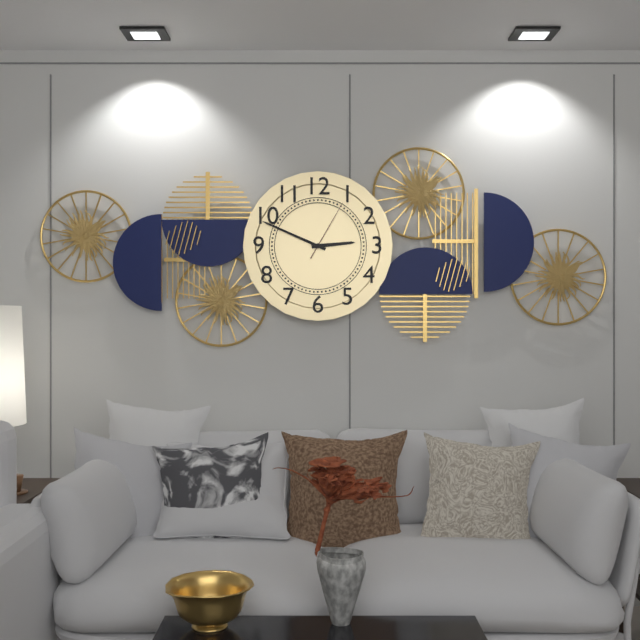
2 h 49 min 05 s
